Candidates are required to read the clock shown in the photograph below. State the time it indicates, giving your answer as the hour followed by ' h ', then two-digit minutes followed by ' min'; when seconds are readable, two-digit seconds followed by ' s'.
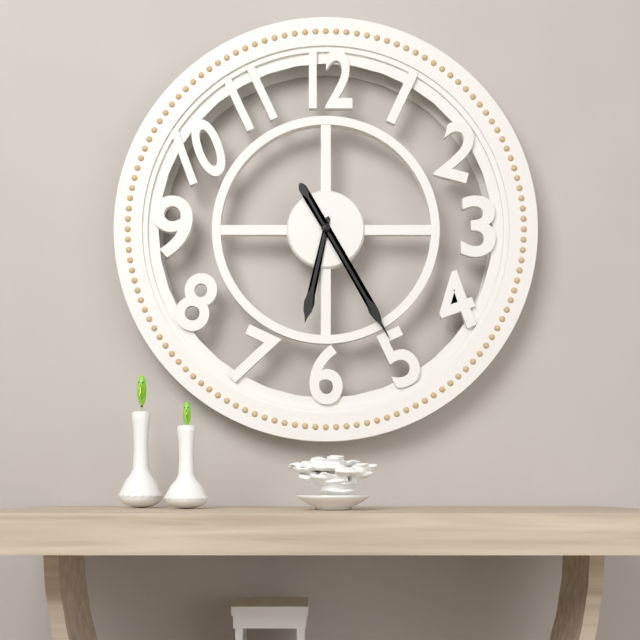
6 h 25 min
